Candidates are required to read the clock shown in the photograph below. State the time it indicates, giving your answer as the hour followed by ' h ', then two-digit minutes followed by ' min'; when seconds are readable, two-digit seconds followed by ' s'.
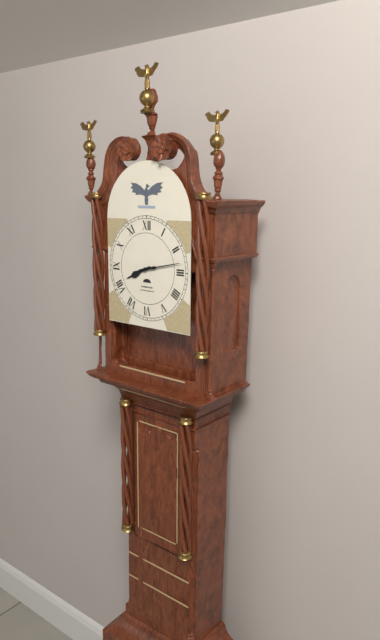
8 h 13 min
